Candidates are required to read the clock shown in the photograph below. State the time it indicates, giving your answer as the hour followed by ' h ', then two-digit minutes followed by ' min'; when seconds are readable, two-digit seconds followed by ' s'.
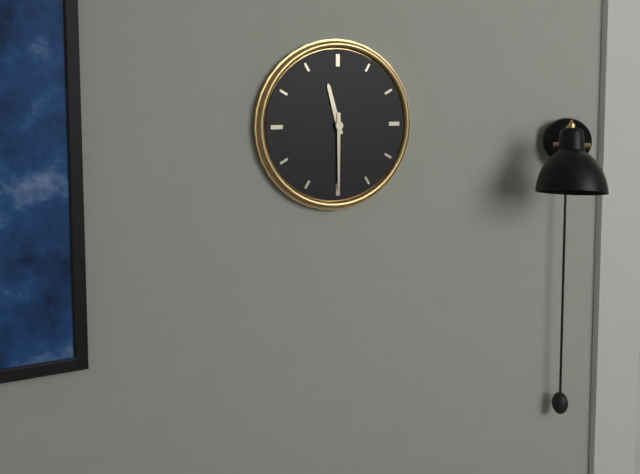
11 h 30 min
